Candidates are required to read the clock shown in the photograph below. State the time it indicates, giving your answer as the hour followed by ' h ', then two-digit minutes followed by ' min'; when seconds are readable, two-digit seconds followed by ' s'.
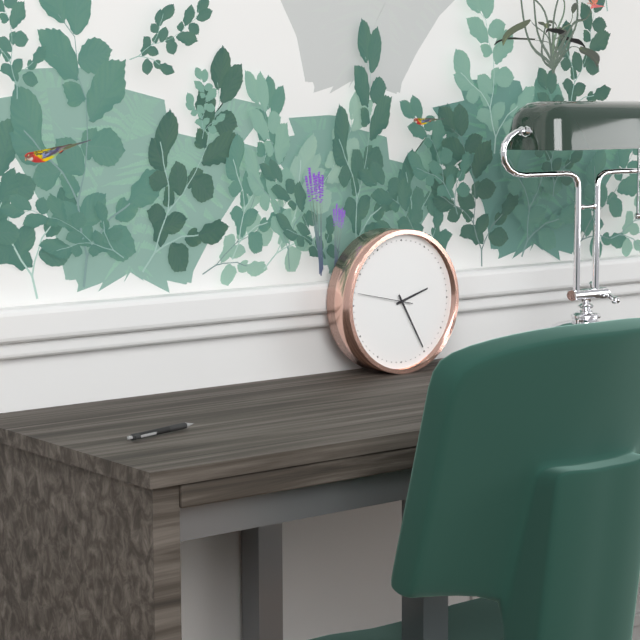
2 h 25 min 47 s
